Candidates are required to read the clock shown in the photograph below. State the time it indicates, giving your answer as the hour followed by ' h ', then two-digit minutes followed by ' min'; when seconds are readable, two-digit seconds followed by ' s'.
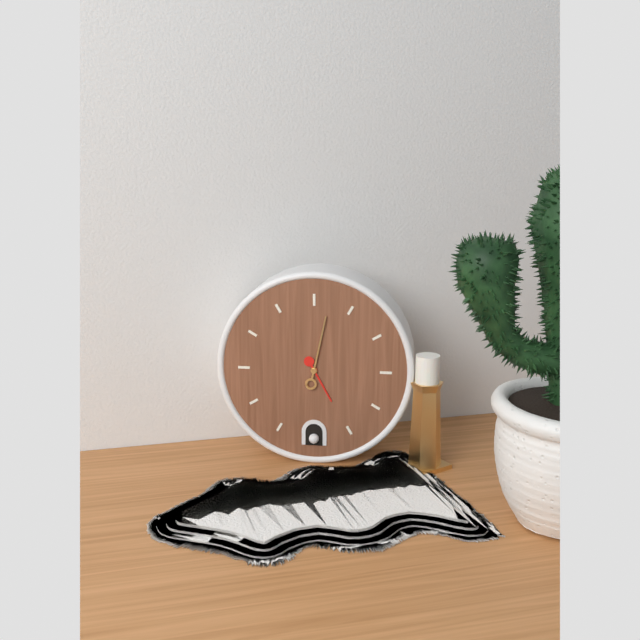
5 h 02 min
